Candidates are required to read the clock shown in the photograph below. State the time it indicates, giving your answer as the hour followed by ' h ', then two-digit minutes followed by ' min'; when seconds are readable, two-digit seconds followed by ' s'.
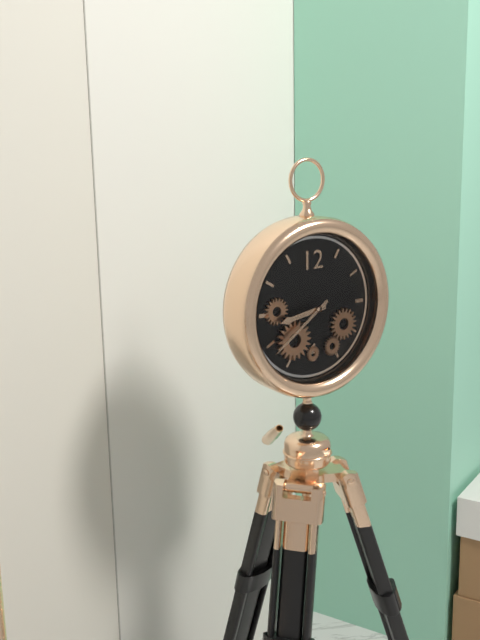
8 h 39 min
